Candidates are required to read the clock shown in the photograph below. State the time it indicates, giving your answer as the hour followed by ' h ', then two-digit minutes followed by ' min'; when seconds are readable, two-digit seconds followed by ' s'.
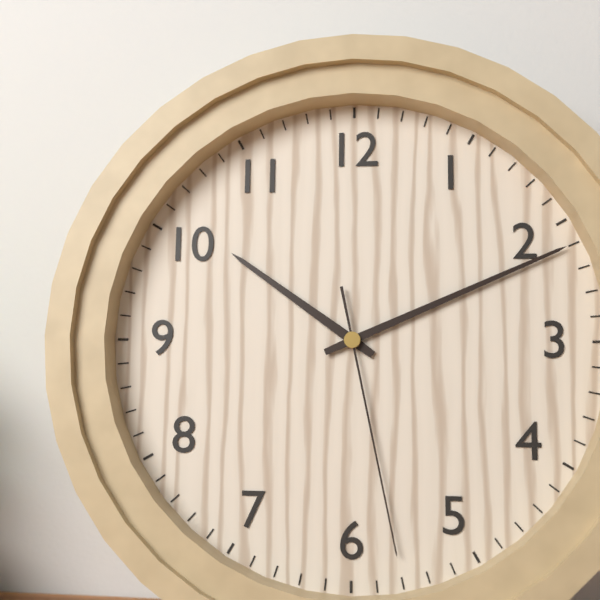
10 h 11 min 28 s
